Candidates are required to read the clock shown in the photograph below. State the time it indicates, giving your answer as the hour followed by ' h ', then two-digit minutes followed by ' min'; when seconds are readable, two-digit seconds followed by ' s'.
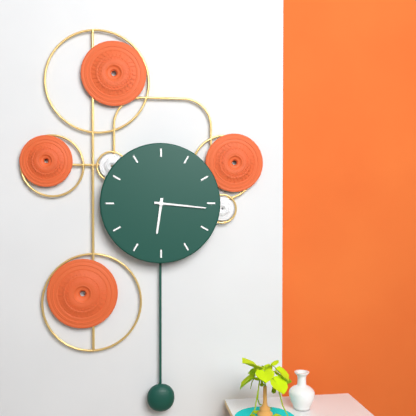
6 h 16 min
